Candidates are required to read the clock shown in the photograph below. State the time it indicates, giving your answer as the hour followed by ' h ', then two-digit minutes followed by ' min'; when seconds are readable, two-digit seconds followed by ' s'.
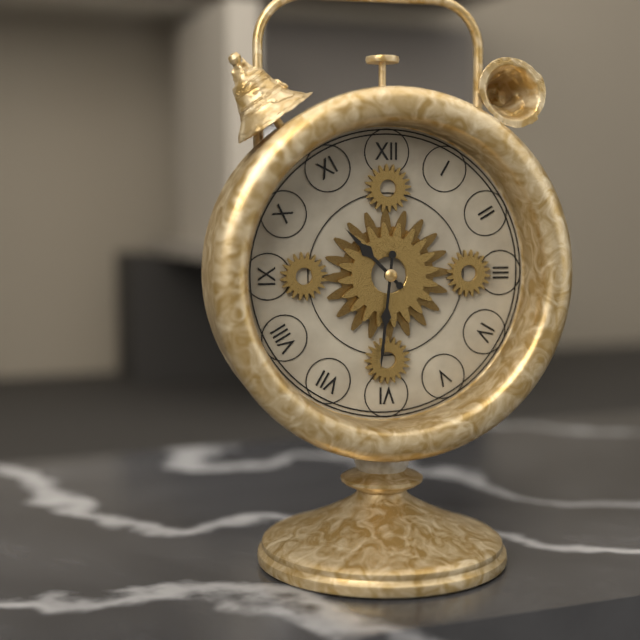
10 h 31 min
